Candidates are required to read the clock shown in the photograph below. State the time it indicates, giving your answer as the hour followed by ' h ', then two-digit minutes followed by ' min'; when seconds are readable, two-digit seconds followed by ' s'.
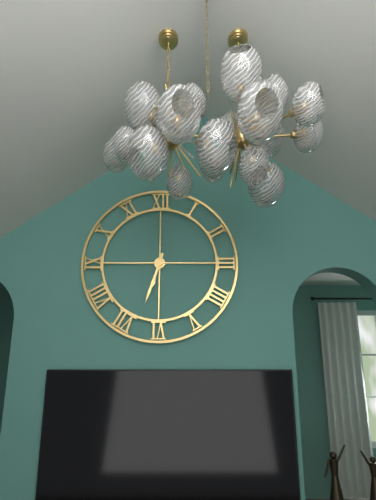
6 h 33 min
